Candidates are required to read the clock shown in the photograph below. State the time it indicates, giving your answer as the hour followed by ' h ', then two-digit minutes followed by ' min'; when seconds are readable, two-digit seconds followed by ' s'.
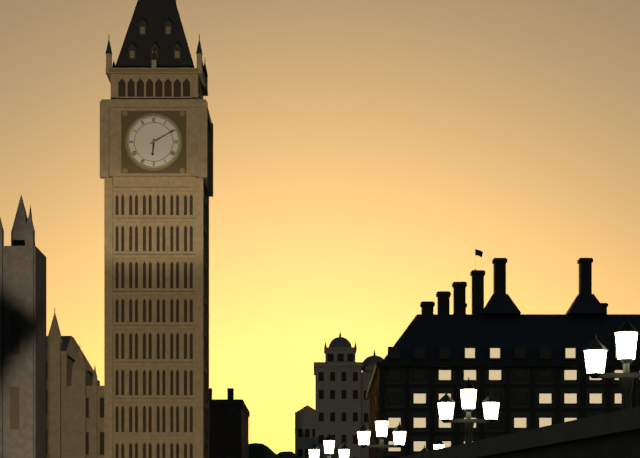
6 h 10 min
